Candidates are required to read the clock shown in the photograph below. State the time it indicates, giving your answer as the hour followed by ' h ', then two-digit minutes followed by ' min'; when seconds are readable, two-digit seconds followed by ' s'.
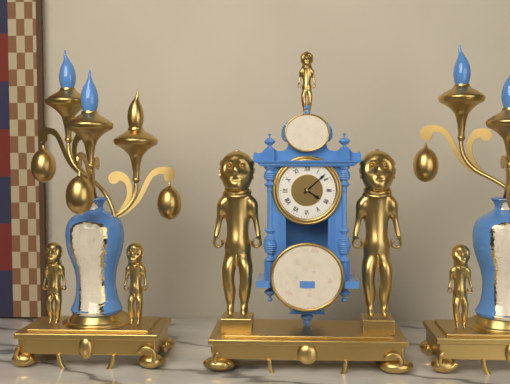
4 h 08 min
